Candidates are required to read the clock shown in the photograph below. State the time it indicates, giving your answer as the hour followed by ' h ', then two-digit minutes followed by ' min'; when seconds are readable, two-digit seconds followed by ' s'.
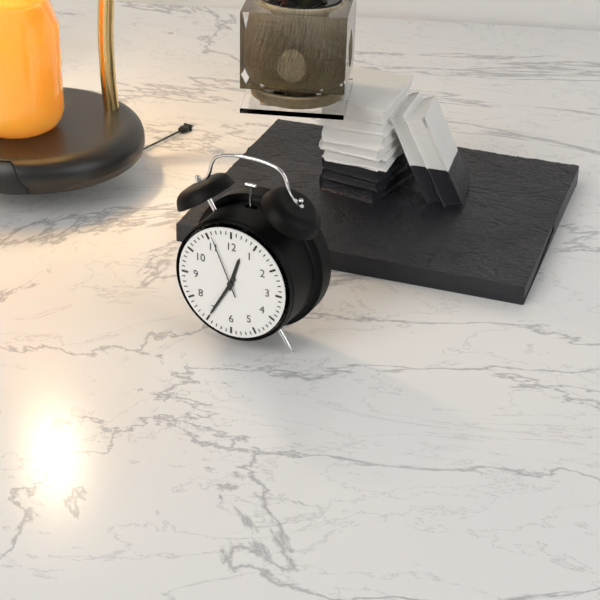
12 h 35 min 56 s
